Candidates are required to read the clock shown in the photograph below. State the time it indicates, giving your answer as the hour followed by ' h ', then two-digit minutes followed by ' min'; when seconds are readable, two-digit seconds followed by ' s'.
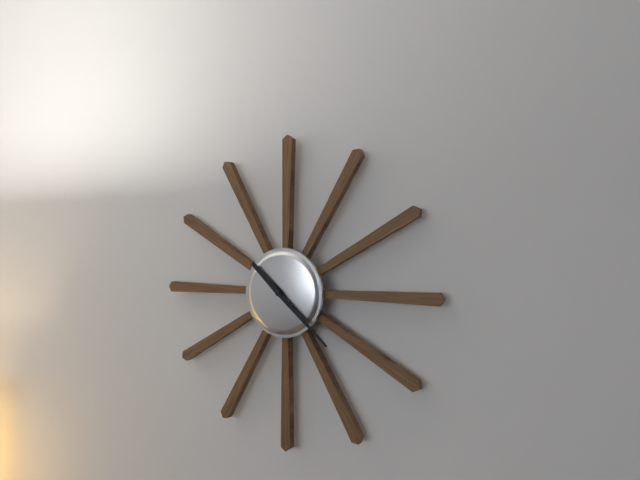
10 h 22 min
